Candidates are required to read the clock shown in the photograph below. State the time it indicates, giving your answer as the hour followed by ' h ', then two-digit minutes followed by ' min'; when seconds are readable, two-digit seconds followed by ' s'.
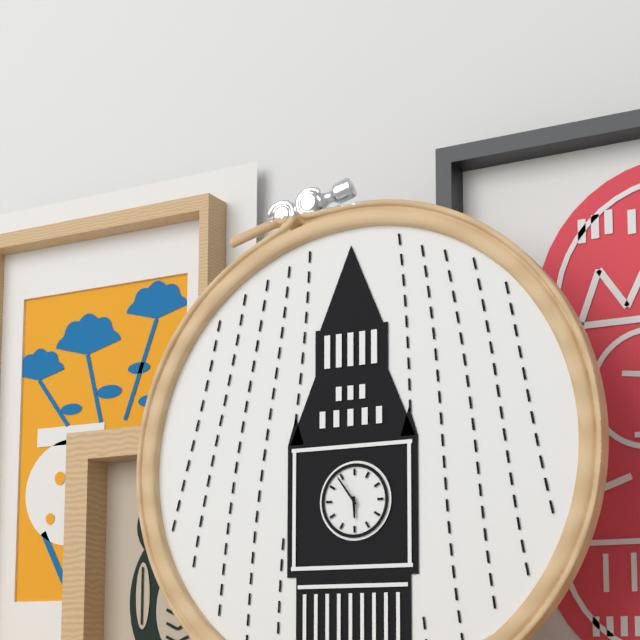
5 h 54 min
